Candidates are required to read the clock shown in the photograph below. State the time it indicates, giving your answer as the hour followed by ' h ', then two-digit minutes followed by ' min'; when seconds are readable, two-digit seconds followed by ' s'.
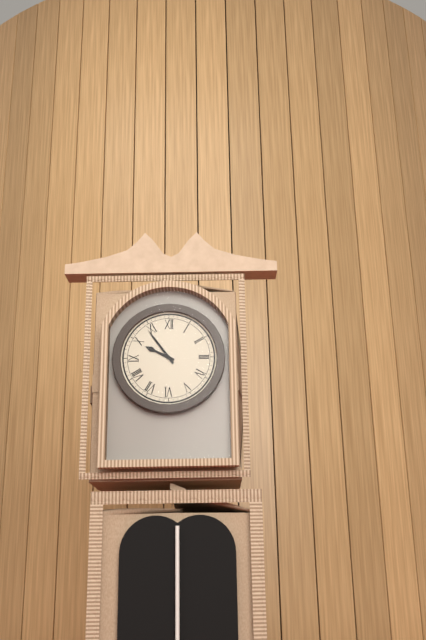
9 h 54 min
